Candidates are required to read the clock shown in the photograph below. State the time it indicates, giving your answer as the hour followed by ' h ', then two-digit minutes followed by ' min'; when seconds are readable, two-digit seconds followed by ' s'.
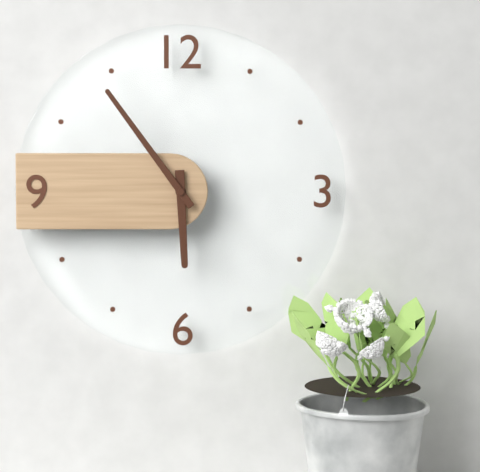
5 h 54 min
